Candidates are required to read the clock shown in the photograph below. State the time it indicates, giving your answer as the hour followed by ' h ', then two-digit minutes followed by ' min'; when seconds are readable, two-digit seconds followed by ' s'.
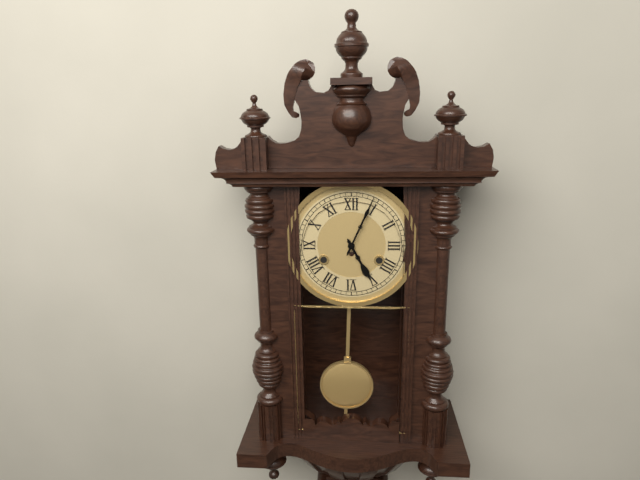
5 h 04 min
